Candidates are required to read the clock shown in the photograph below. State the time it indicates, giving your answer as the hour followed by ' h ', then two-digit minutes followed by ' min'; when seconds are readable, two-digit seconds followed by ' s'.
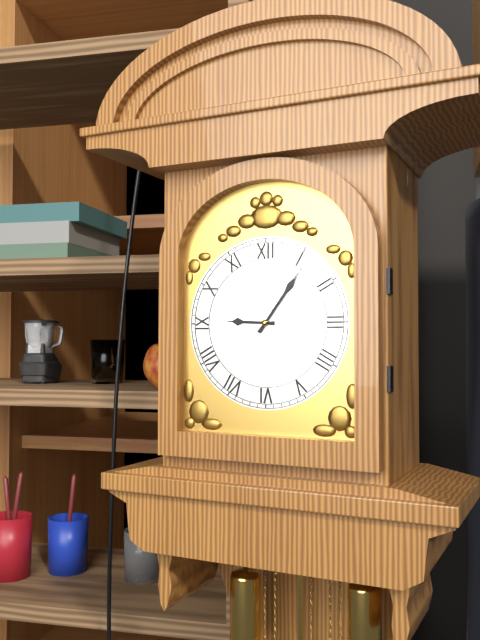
9 h 06 min
